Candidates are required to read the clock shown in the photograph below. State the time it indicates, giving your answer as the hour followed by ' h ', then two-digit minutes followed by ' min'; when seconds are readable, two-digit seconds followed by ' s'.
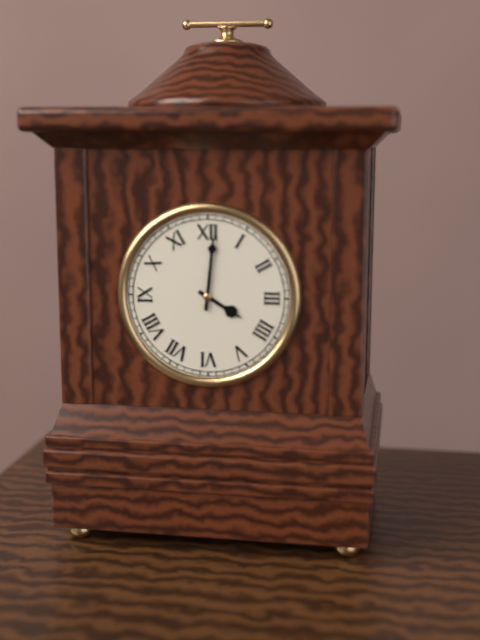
4 h 01 min
